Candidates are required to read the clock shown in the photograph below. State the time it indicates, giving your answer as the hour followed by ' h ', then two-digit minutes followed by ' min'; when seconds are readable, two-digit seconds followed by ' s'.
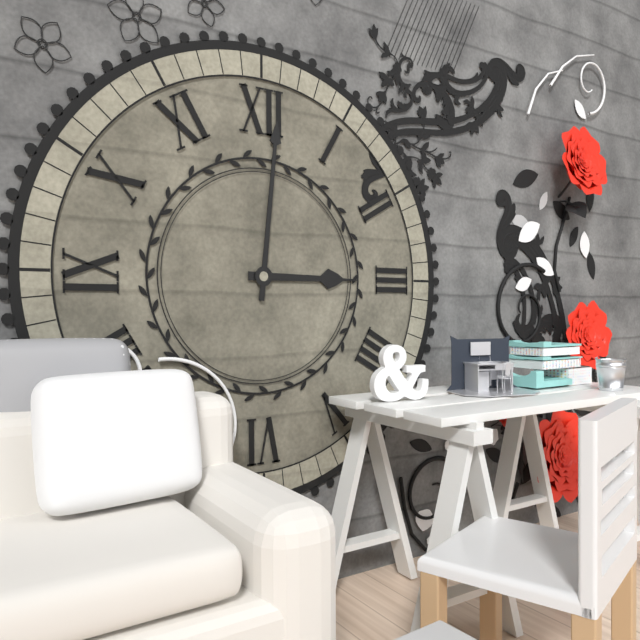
3 h 01 min
